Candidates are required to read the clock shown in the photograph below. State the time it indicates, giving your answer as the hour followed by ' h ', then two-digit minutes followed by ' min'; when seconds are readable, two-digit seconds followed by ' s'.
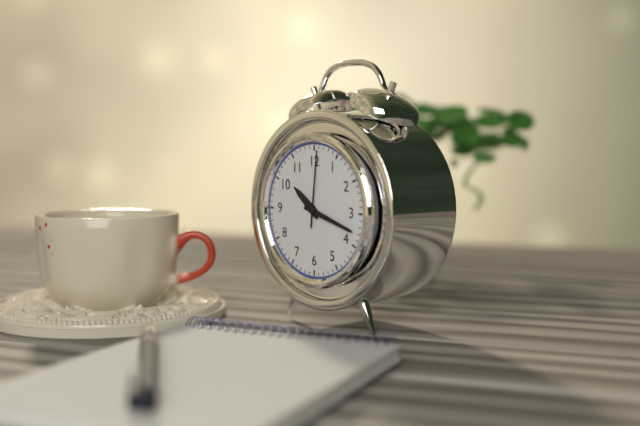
10 h 18 min 01 s
